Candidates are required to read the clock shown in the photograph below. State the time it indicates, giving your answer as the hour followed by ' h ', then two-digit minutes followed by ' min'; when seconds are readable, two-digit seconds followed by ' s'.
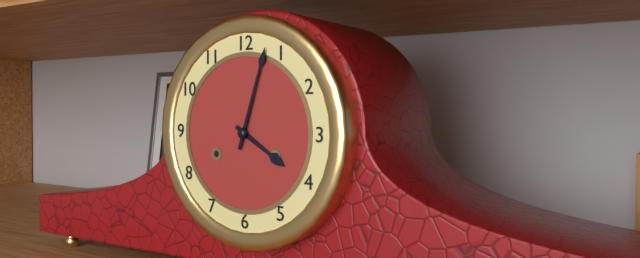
4 h 03 min
